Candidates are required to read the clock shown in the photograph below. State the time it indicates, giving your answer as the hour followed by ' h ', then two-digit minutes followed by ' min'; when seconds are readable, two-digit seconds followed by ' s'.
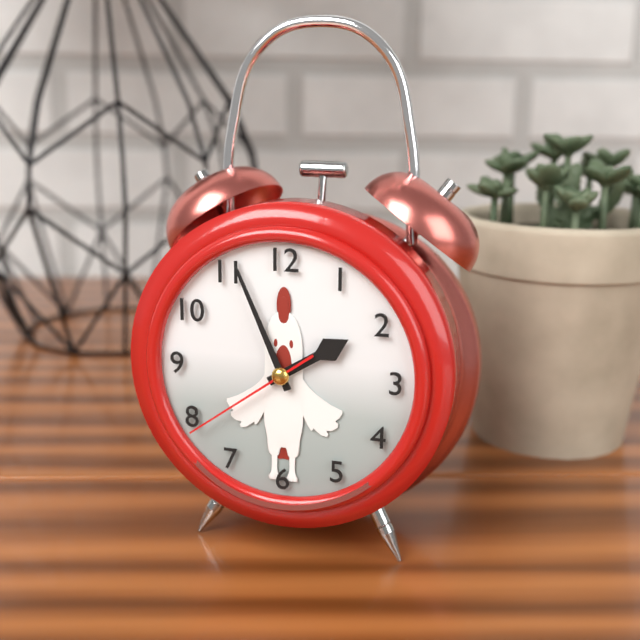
1 h 56 min 39 s
